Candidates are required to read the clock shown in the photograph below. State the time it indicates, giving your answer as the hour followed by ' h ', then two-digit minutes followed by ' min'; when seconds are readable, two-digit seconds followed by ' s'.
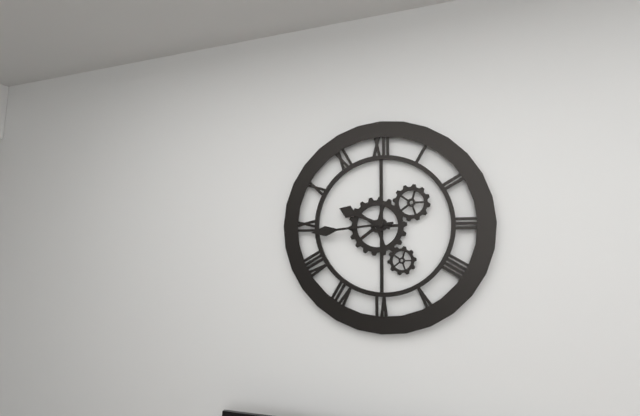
9 h 44 min
